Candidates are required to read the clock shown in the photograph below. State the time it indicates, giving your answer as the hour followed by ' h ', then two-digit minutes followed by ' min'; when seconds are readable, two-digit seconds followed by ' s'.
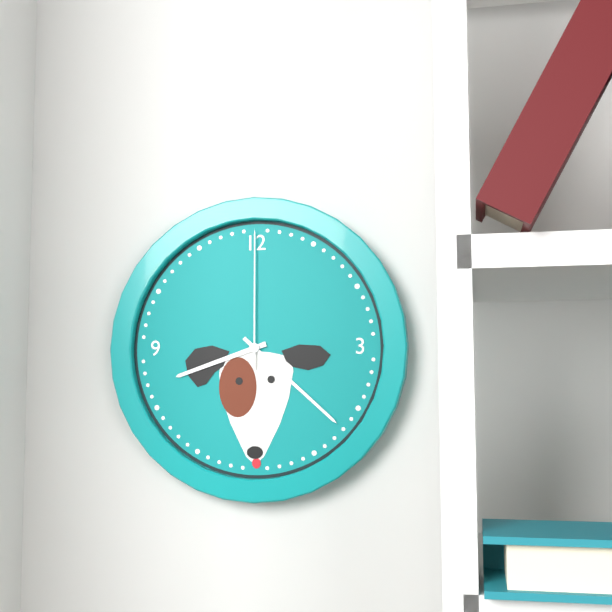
8 h 22 min 00 s
